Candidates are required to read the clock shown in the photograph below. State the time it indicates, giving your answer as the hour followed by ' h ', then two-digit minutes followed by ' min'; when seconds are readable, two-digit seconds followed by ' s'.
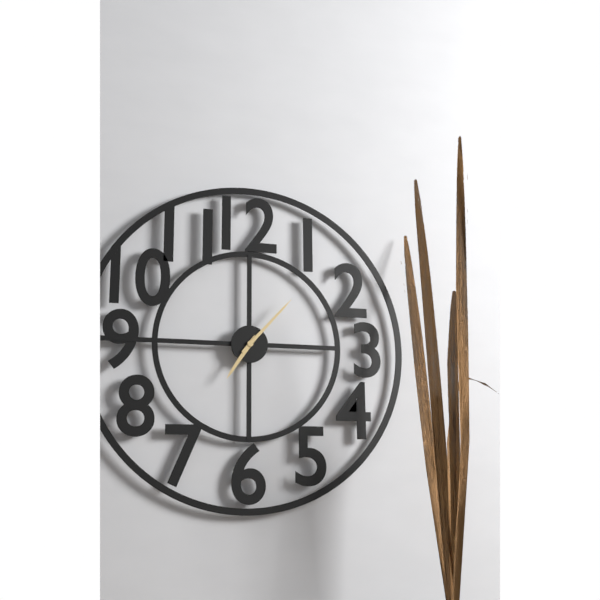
7 h 07 min
